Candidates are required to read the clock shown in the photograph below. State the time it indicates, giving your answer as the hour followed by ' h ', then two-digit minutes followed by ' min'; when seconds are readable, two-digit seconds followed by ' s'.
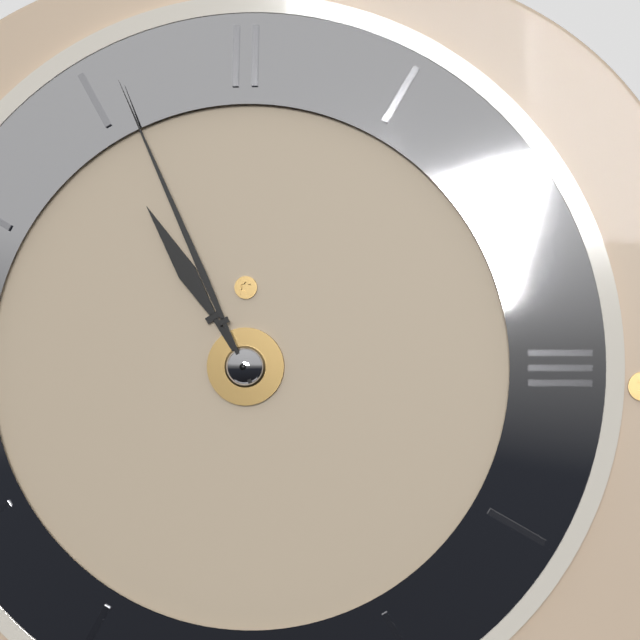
10 h 56 min
